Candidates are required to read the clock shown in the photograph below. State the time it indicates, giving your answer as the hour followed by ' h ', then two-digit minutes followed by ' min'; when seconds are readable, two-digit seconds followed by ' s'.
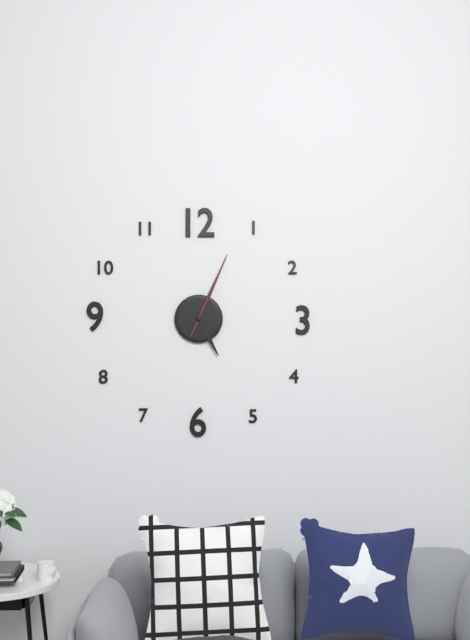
5 h 04 min 04 s
